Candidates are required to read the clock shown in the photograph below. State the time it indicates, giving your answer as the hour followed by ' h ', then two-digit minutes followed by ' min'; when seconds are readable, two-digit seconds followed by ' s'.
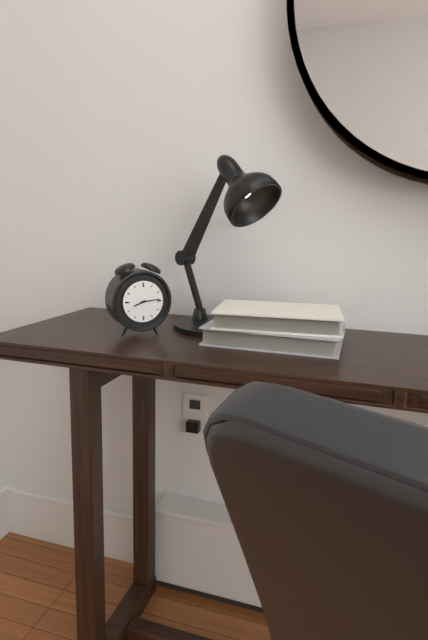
8 h 14 min
